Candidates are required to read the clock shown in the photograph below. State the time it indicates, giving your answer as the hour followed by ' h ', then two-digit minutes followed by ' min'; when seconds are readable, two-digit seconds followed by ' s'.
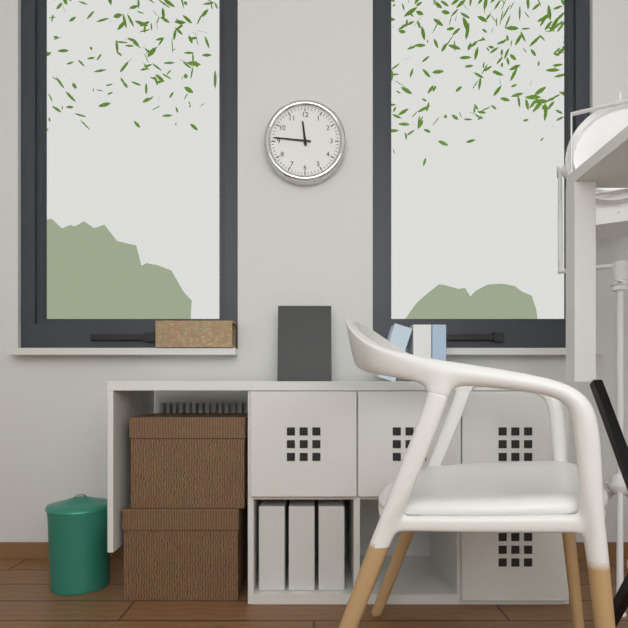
11 h 46 min
